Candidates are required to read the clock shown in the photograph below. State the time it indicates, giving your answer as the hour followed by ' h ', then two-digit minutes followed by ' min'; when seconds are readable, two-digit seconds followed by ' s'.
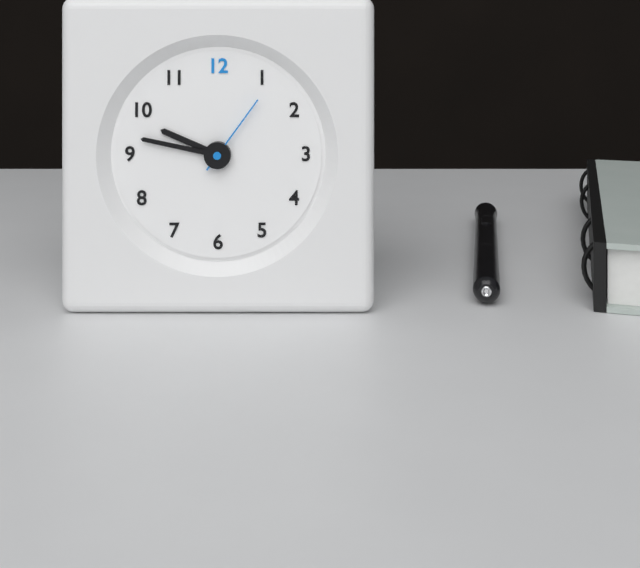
9 h 47 min 06 s
